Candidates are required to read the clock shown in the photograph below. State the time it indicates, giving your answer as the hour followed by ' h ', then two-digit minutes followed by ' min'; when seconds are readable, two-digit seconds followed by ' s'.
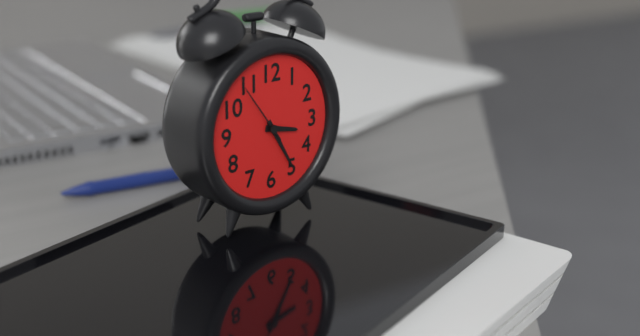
3 h 25 min 54 s
